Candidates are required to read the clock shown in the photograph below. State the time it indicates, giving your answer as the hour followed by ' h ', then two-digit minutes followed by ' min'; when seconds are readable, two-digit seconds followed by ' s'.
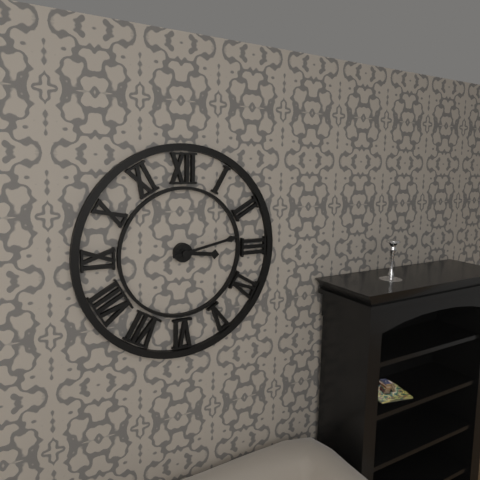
3 h 13 min
